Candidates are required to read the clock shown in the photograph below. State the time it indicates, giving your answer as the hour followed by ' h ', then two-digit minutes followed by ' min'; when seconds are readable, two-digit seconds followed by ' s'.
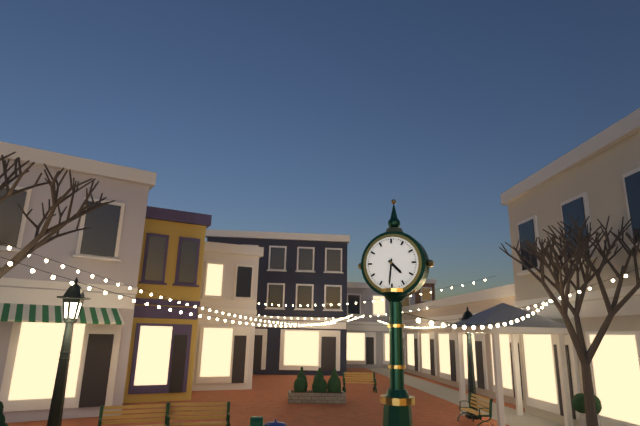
4 h 31 min
